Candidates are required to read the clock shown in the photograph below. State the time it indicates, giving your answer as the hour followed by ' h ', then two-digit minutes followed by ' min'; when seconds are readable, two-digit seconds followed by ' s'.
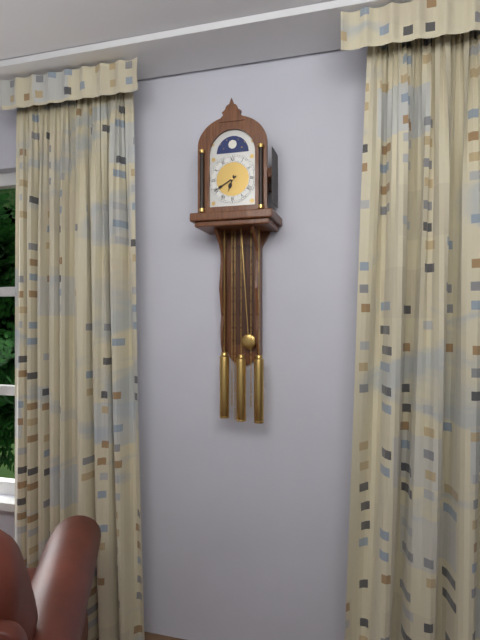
6 h 40 min
